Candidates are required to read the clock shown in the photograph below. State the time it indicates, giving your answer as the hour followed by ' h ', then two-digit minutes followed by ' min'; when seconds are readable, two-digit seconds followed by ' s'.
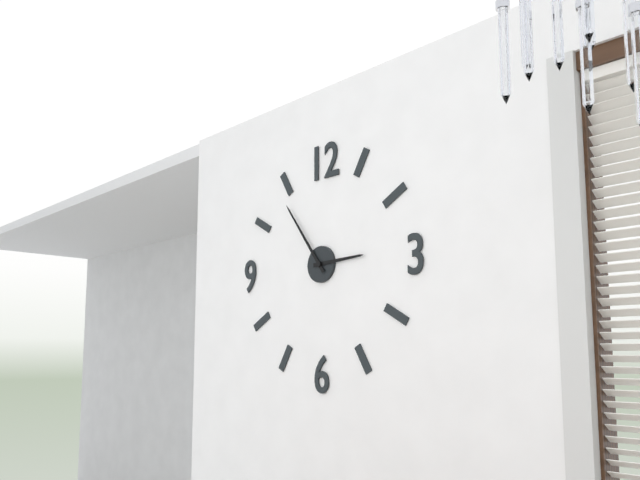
2 h 54 min
